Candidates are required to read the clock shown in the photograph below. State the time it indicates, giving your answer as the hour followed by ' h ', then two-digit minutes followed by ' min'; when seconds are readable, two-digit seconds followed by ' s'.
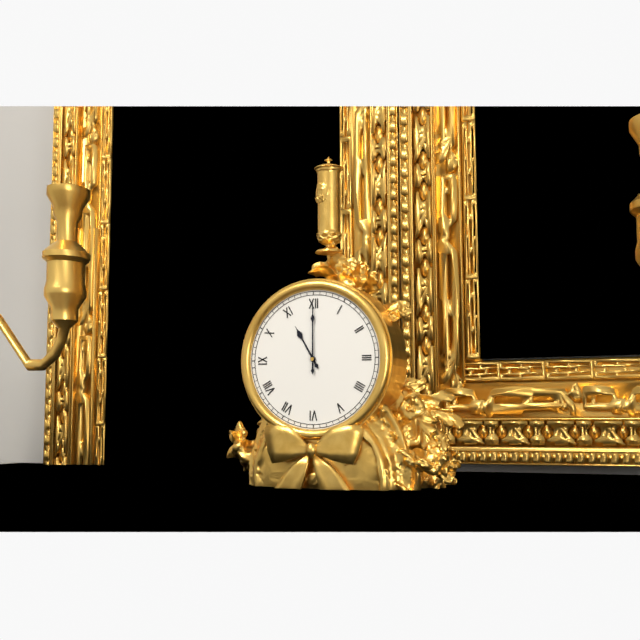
11 h 00 min
